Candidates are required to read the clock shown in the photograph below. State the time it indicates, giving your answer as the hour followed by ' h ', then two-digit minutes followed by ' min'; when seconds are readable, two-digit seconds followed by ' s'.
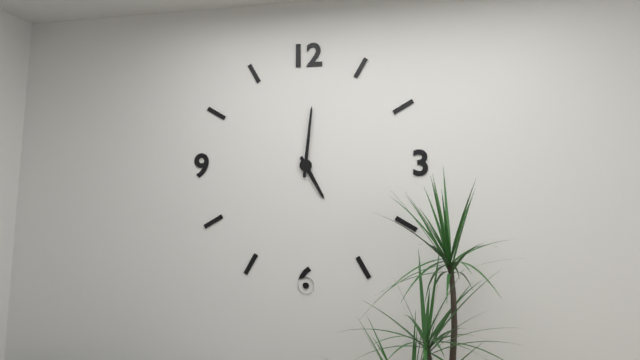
5 h 01 min
